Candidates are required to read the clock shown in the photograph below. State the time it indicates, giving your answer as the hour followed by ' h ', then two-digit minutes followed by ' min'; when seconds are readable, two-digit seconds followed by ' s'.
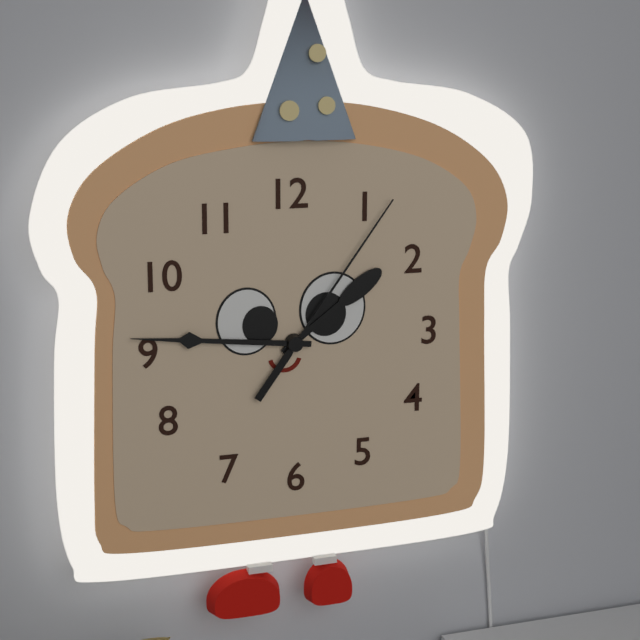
1 h 46 min 06 s
